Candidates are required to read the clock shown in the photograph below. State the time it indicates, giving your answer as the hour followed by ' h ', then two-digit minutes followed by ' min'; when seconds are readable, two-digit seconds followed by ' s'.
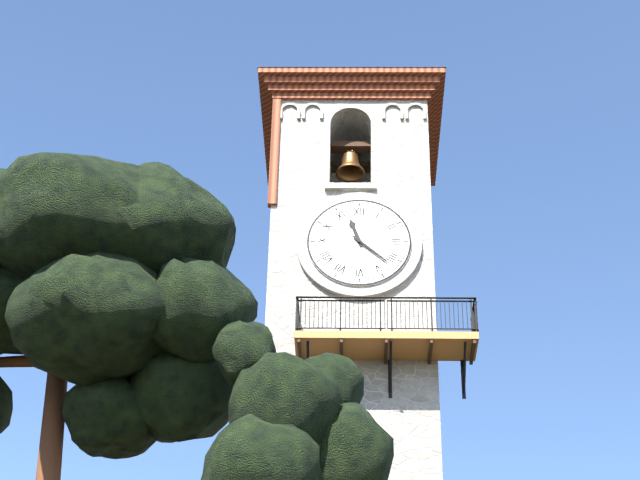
11 h 22 min
